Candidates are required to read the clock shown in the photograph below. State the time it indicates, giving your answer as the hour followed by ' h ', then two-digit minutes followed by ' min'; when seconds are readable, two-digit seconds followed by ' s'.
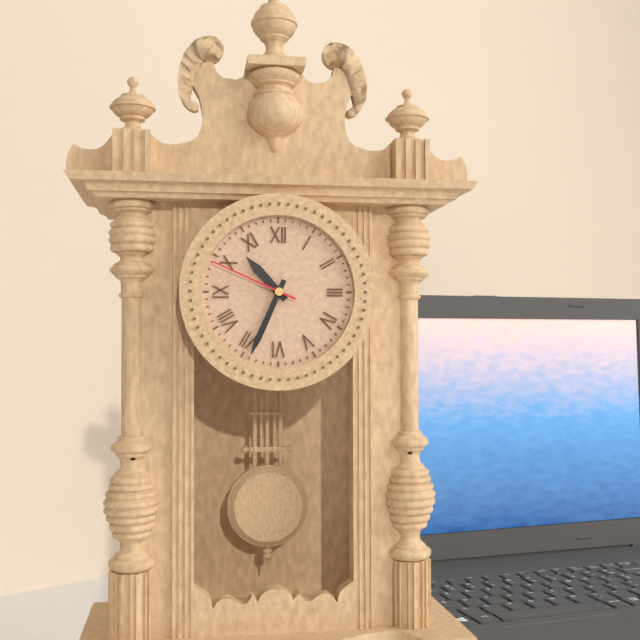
10 h 34 min 49 s
